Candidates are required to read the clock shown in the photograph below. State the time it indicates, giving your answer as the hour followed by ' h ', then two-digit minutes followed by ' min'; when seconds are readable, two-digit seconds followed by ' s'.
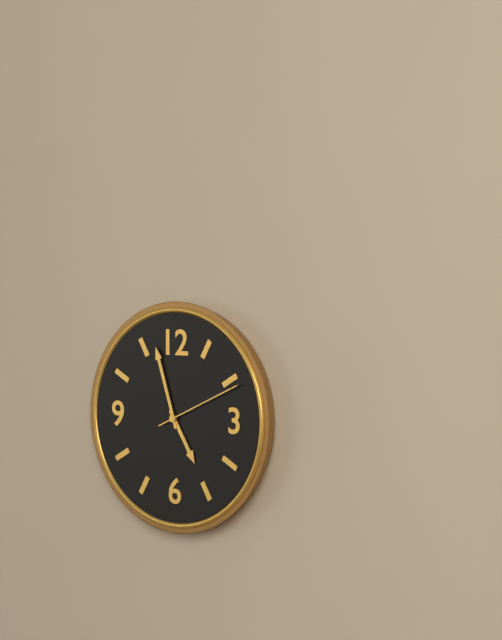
4 h 57 min 11 s
